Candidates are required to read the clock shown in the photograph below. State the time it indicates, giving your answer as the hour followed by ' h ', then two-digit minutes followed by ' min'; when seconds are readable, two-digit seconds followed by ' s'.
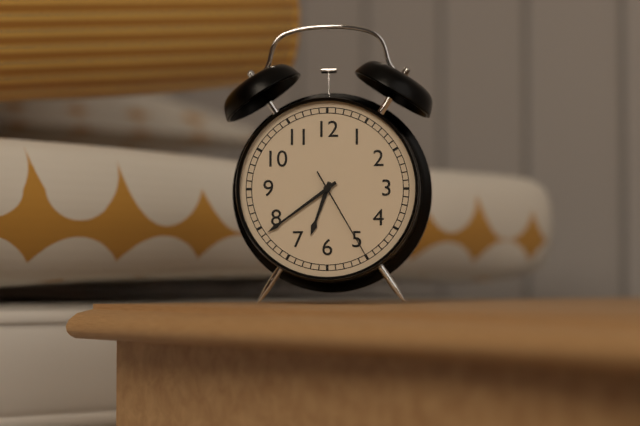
6 h 39 min 25 s
